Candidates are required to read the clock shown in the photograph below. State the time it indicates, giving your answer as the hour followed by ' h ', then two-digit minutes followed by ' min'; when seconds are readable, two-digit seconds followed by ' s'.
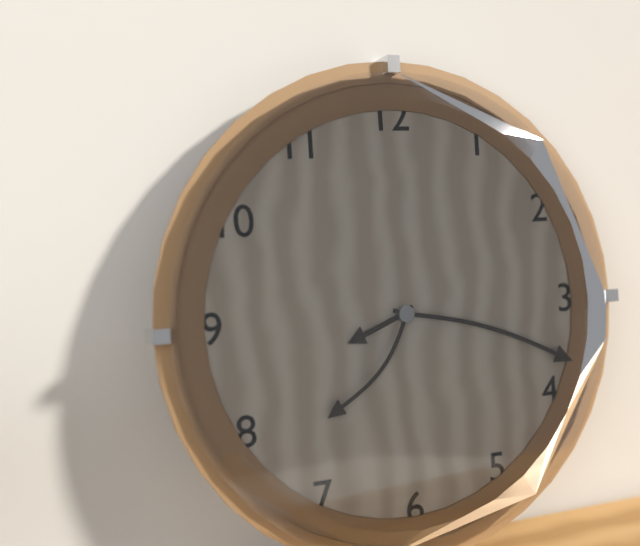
8 h 18 min 37 s
